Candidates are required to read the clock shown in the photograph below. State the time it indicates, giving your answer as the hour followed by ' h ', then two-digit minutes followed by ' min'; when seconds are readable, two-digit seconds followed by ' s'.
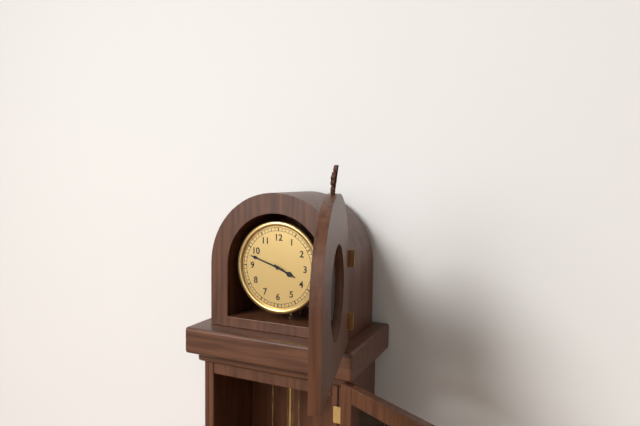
3 h 48 min
